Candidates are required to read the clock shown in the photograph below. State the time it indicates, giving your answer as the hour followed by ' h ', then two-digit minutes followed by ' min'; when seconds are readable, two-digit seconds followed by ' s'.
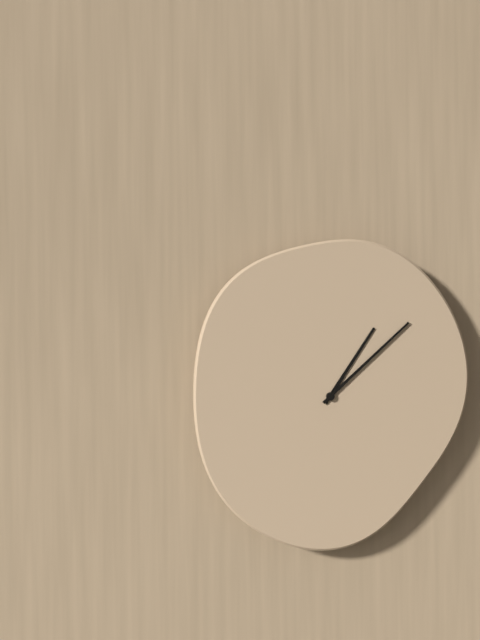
1 h 08 min
